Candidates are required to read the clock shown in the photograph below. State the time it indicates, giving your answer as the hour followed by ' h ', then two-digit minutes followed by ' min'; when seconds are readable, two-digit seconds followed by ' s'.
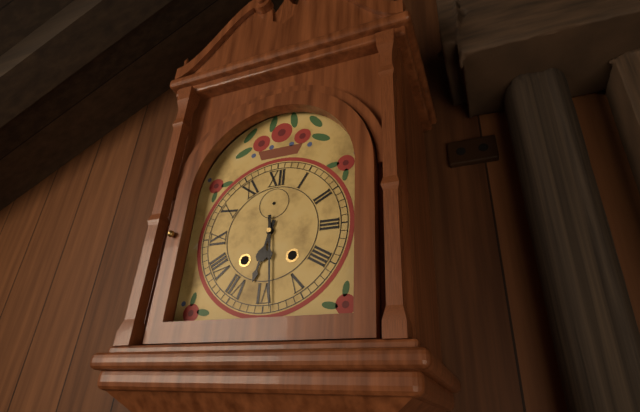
6 h 29 min
